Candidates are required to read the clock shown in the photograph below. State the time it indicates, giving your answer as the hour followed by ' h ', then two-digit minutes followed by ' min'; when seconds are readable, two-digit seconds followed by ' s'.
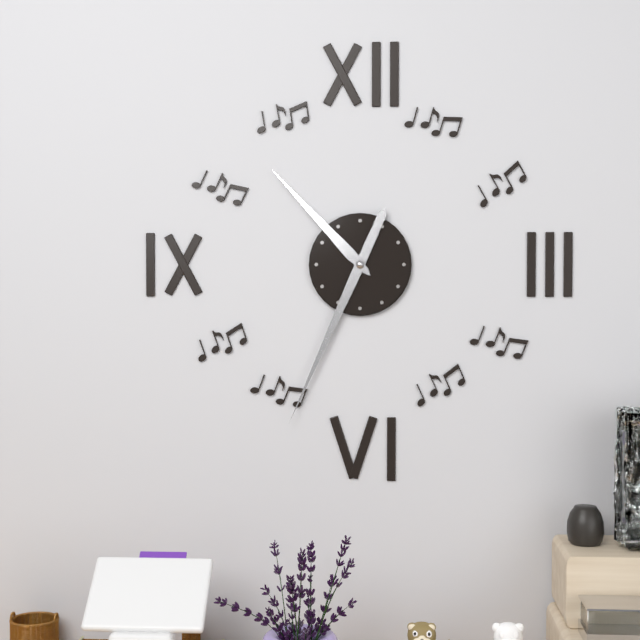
10 h 34 min
